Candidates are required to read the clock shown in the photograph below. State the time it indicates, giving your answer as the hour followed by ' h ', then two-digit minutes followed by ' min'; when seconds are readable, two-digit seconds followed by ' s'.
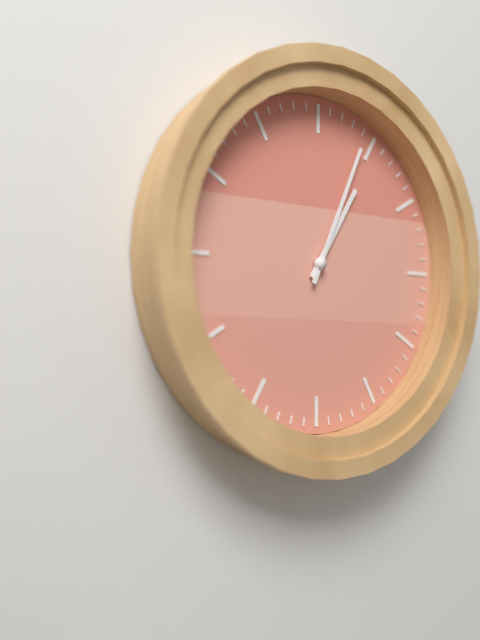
1 h 04 min
